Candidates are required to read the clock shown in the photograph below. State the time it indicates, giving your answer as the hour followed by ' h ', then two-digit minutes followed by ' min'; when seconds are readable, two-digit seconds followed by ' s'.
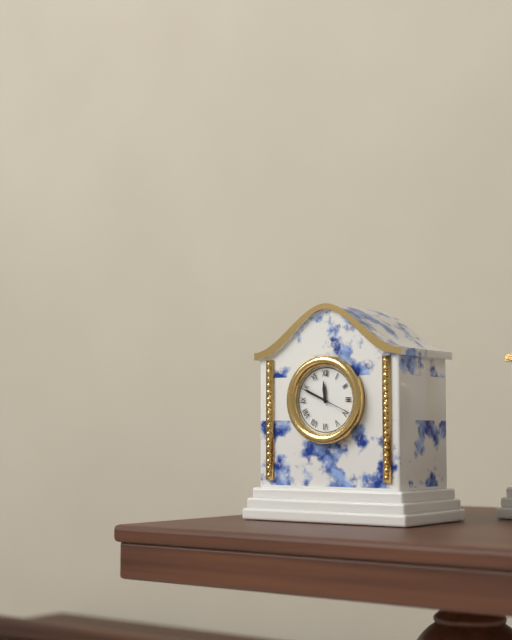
11 h 49 min
